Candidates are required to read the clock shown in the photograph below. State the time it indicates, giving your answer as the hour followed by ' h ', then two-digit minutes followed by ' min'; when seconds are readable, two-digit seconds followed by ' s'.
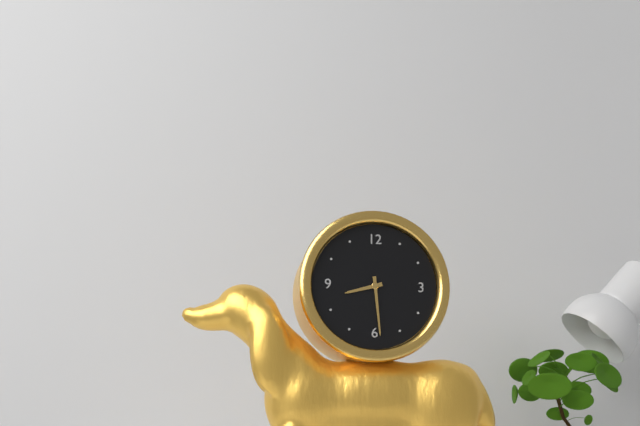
8 h 29 min
